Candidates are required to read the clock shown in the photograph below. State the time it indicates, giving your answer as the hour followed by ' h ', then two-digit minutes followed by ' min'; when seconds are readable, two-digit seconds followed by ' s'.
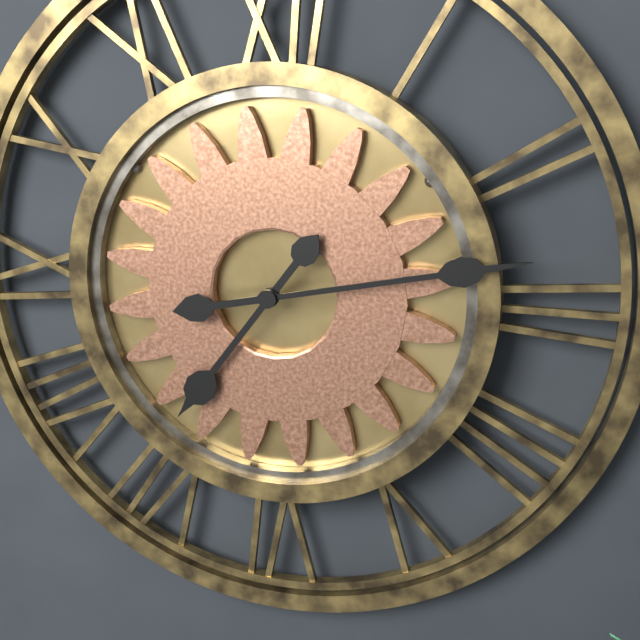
7 h 13 min
